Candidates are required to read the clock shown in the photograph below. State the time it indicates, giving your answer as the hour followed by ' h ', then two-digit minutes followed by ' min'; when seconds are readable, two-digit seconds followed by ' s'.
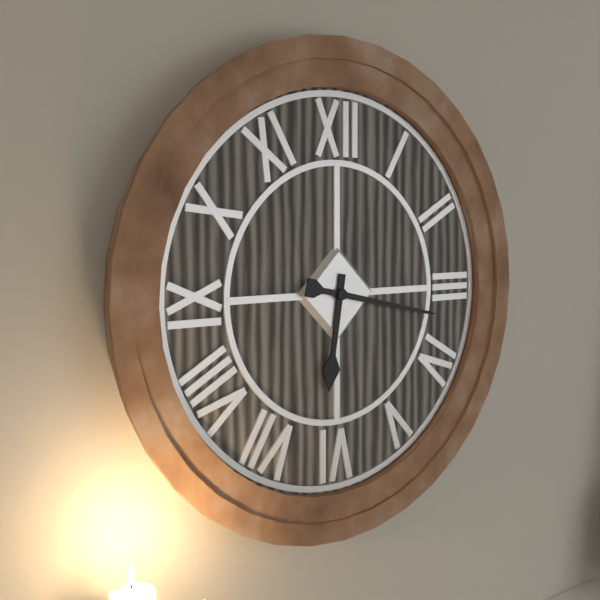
6 h 17 min
